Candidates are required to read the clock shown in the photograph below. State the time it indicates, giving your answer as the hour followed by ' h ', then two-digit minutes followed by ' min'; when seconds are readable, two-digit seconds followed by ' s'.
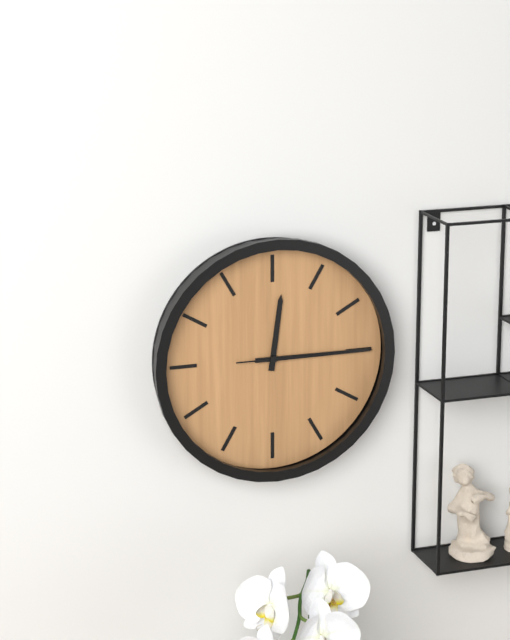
12 h 15 min 15 s
